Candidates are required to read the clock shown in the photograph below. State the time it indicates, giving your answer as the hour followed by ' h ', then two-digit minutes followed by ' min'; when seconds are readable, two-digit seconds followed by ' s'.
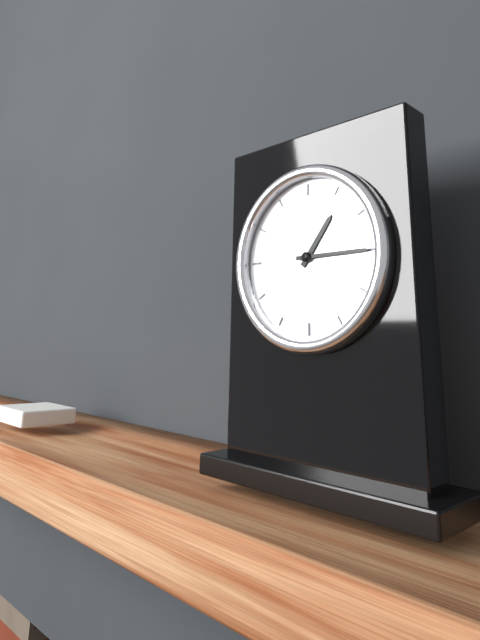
1 h 15 min
